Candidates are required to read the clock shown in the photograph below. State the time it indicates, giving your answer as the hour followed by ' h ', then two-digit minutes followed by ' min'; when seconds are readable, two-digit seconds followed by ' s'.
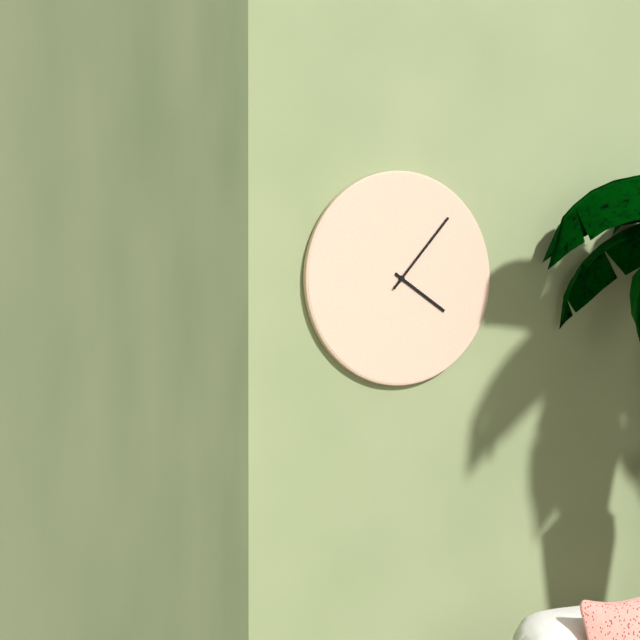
4 h 07 min
